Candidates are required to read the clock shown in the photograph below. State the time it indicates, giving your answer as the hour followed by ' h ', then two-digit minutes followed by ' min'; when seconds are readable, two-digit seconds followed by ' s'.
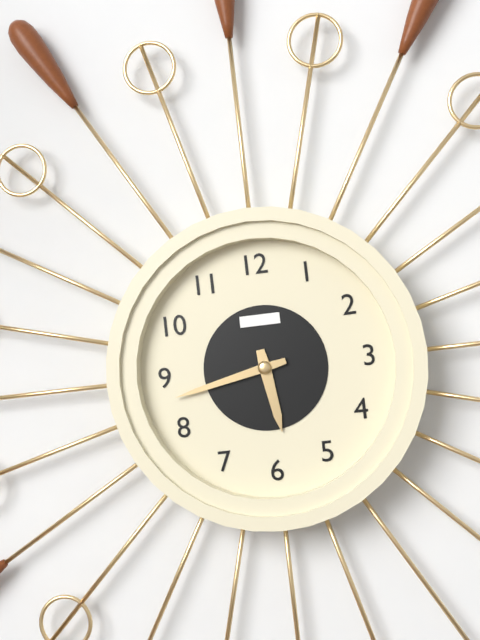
5 h 43 min
